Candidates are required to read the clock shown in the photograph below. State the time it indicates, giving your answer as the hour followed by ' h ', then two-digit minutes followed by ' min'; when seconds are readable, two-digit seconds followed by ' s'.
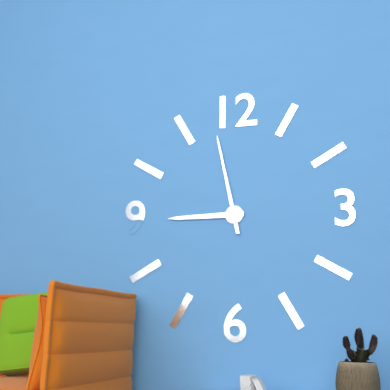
8 h 58 min
